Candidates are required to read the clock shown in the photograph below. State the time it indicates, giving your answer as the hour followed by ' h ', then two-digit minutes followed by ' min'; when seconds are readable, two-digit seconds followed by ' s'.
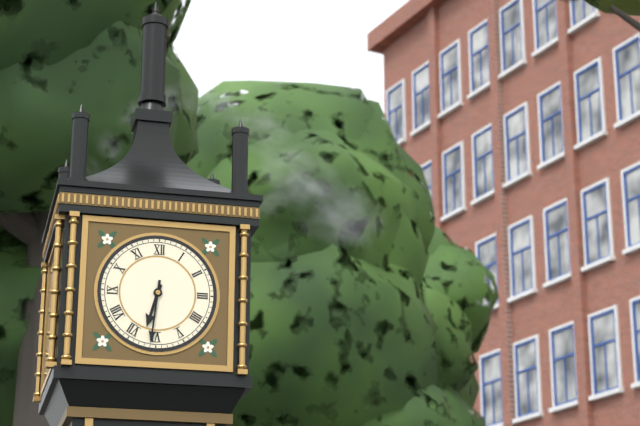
6 h 31 min
